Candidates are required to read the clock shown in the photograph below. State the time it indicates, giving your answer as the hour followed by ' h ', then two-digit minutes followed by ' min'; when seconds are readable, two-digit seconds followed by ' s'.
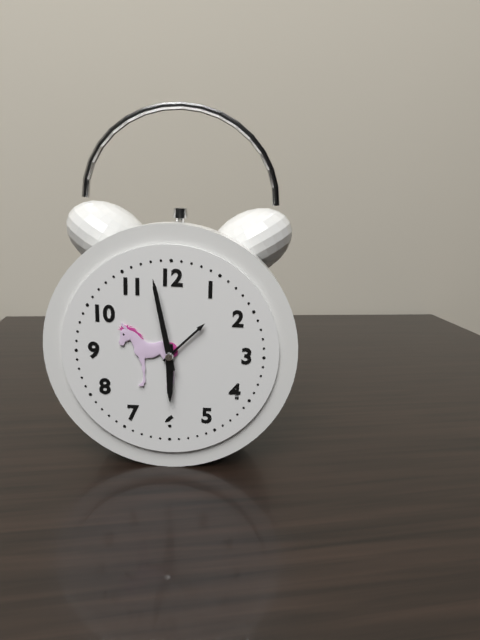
5 h 58 min
